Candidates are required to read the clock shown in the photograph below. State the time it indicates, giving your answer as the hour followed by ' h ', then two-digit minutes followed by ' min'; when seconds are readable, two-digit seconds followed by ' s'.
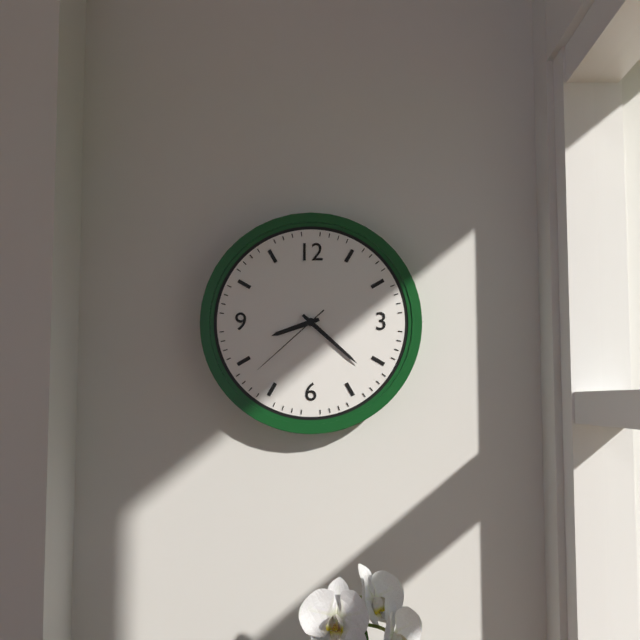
8 h 22 min 38 s
